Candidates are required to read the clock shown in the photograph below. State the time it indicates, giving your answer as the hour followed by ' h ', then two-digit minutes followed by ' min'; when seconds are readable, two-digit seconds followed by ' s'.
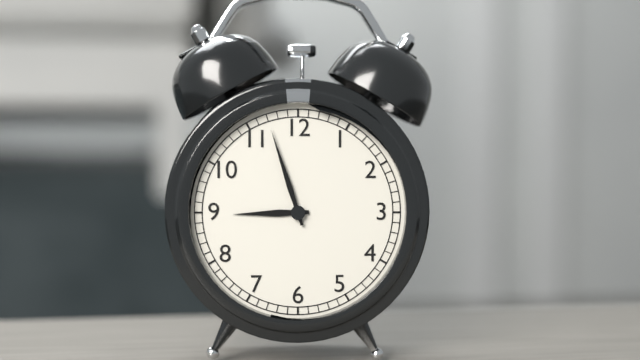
8 h 57 min
